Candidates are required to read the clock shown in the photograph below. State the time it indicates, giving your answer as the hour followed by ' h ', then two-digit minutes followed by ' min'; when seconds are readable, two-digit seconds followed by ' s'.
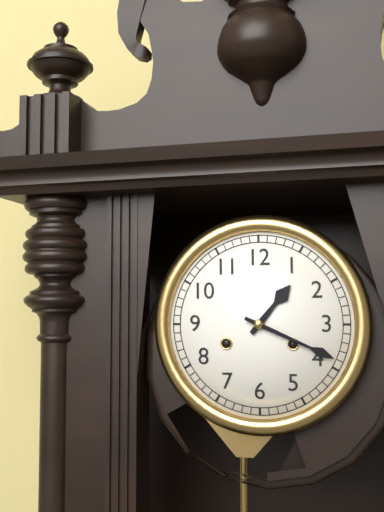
1 h 19 min
